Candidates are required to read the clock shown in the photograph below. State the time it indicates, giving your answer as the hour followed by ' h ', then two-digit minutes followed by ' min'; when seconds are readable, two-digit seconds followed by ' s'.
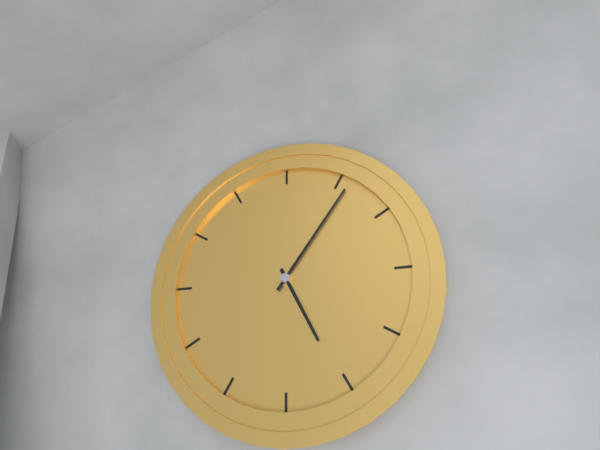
5 h 06 min
